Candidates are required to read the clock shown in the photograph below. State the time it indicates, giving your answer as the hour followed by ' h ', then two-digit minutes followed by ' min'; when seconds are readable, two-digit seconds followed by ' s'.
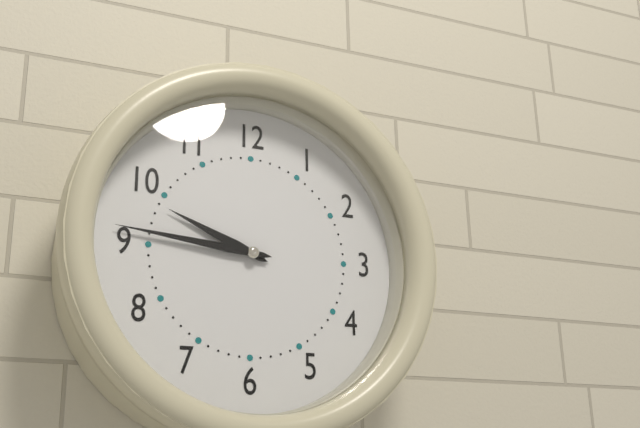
9 h 46 min
